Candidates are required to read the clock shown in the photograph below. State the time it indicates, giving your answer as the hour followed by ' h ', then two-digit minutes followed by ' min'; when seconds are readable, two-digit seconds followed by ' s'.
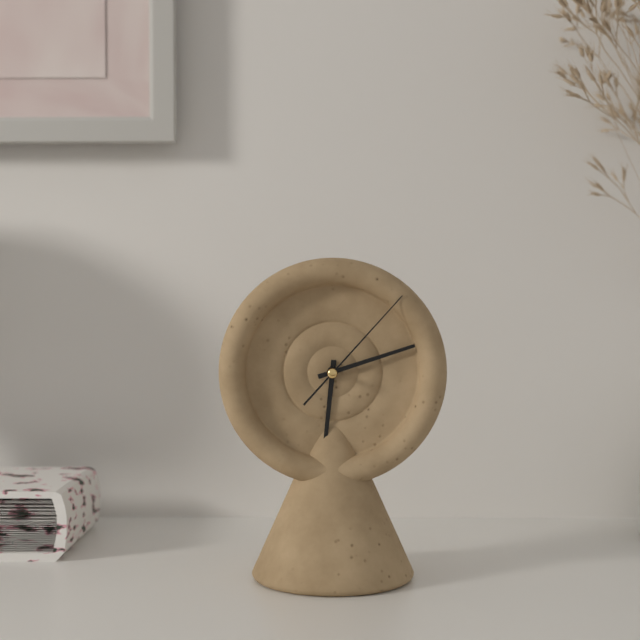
6 h 12 min 07 s
